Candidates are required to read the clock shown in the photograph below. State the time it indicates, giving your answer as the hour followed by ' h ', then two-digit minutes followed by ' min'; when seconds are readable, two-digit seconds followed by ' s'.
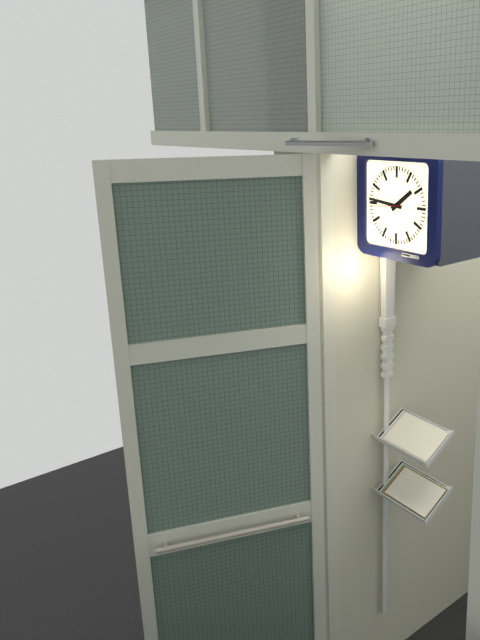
1 h 46 min
